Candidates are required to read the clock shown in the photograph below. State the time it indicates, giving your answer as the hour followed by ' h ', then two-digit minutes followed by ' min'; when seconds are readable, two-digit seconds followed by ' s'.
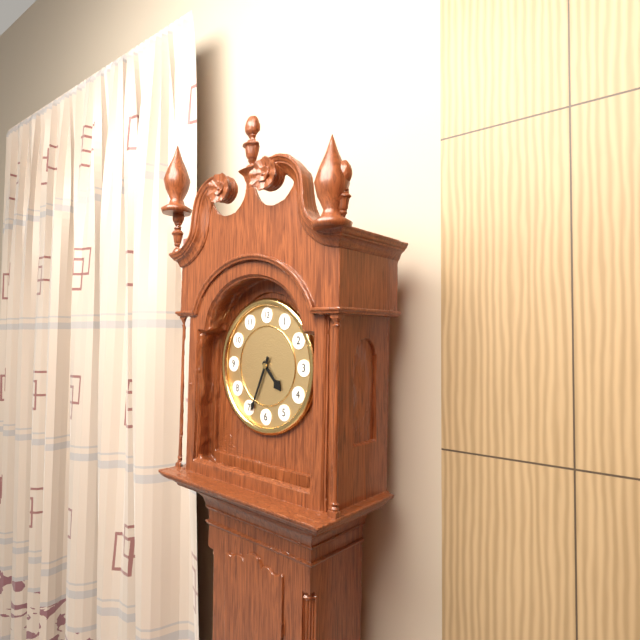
4 h 34 min
